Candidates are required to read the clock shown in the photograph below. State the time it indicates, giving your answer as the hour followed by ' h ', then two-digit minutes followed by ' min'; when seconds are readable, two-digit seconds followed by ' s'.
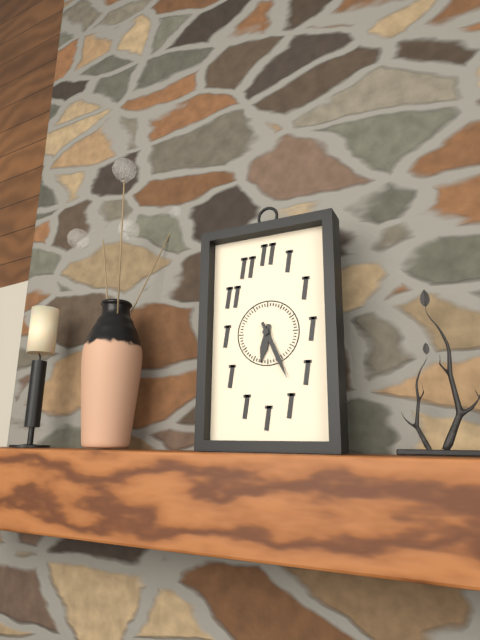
6 h 26 min
